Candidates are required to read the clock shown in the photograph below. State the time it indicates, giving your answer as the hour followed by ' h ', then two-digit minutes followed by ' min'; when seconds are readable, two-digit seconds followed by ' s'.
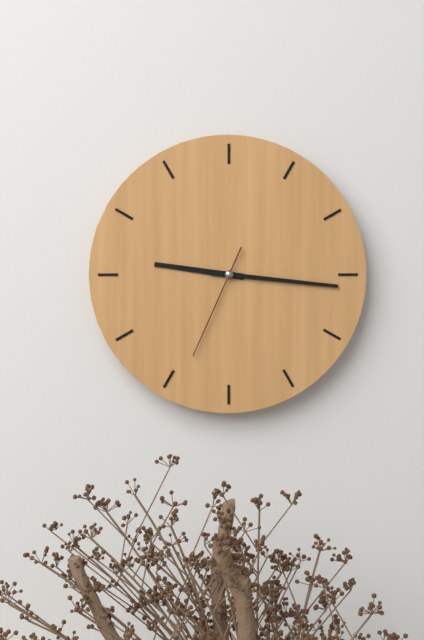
9 h 16 min 34 s
